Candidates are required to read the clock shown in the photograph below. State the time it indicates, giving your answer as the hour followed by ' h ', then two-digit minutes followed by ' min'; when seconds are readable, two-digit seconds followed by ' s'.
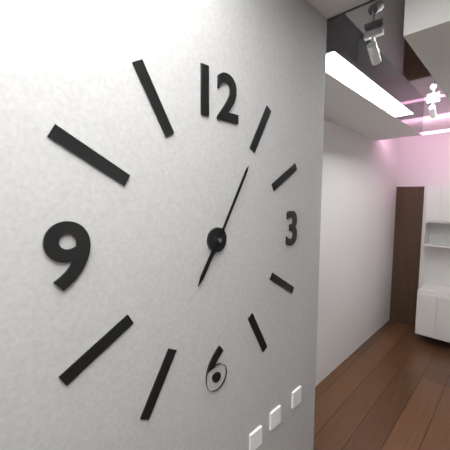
7 h 05 min
